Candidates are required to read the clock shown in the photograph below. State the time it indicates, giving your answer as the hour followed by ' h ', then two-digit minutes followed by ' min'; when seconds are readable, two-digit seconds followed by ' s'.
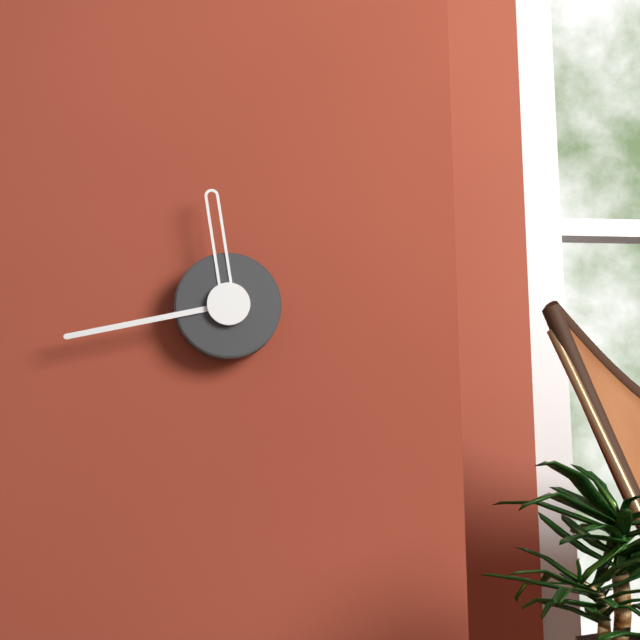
11 h 43 min
